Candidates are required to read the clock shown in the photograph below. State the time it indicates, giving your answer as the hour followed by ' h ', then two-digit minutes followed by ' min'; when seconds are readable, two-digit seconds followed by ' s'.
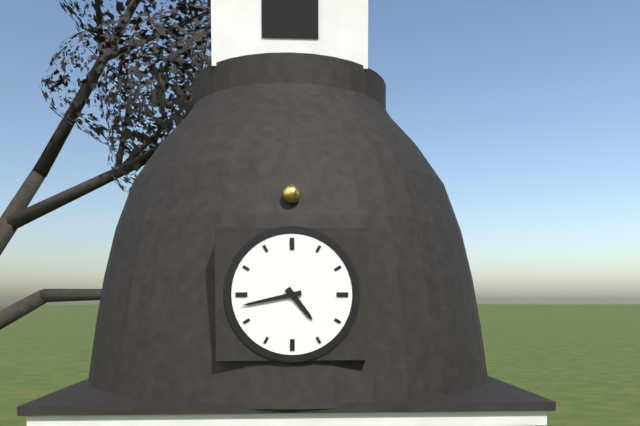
4 h 43 min
